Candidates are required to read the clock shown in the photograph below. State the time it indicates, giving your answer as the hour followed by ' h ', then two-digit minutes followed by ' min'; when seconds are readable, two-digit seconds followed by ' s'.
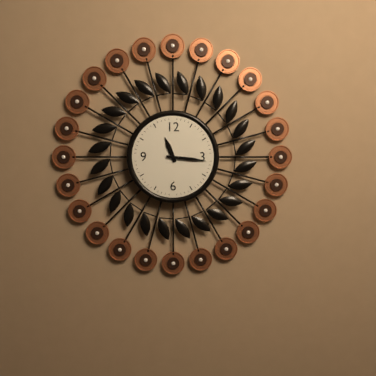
11 h 16 min
